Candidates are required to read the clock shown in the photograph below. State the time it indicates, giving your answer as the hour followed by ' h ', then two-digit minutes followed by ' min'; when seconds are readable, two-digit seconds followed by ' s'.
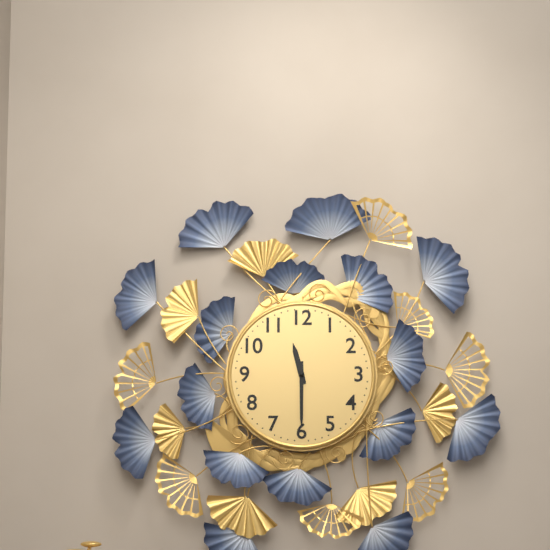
11 h 30 min
